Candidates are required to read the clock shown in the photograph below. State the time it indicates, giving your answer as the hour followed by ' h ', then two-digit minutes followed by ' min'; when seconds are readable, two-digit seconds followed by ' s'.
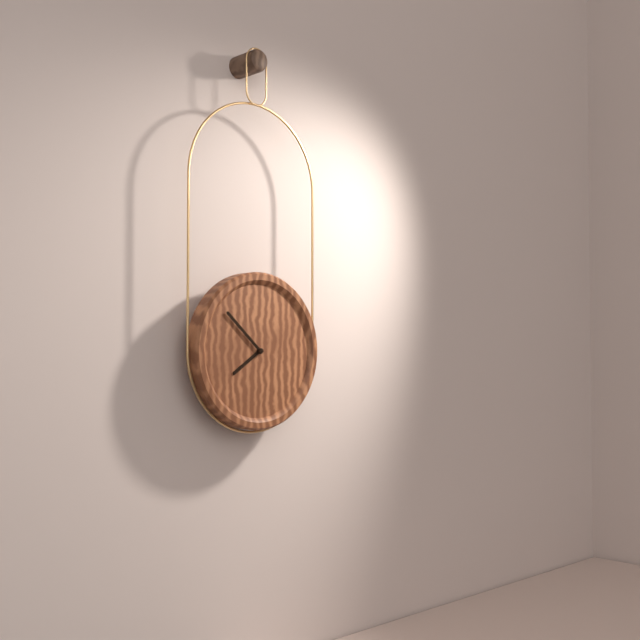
7 h 52 min
